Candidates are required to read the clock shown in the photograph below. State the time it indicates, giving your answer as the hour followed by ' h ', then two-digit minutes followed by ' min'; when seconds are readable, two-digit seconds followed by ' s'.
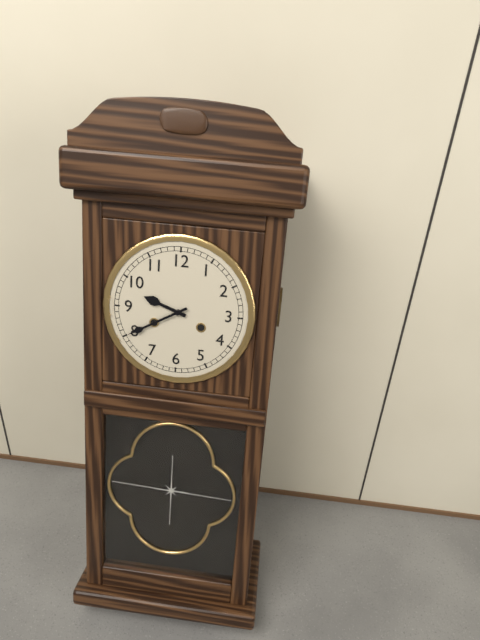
9 h 40 min
